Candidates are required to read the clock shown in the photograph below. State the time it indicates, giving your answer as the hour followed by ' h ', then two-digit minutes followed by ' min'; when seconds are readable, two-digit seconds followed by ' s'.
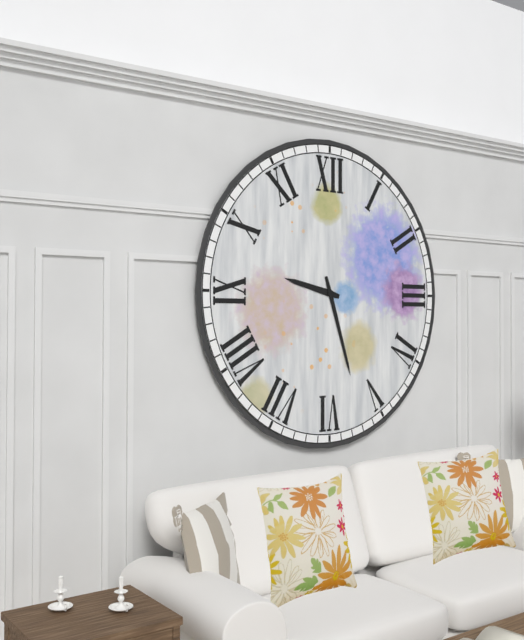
9 h 27 min
